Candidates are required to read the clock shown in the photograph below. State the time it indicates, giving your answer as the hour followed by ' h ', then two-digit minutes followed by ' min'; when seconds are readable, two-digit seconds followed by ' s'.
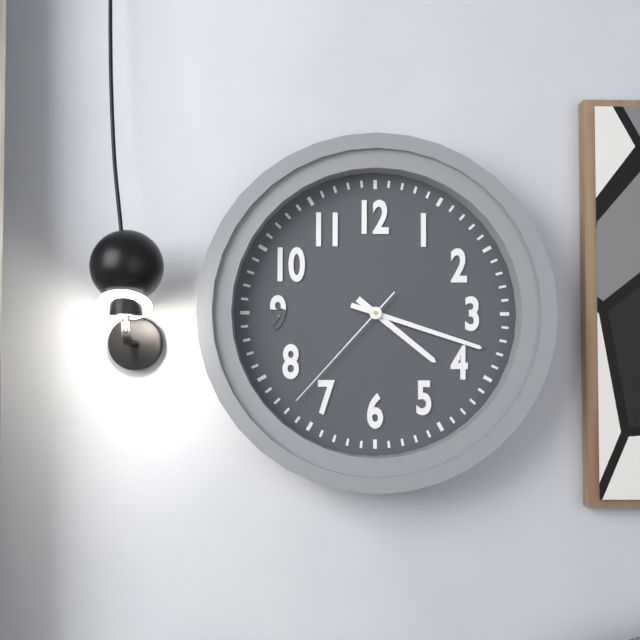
4 h 18 min 37 s
